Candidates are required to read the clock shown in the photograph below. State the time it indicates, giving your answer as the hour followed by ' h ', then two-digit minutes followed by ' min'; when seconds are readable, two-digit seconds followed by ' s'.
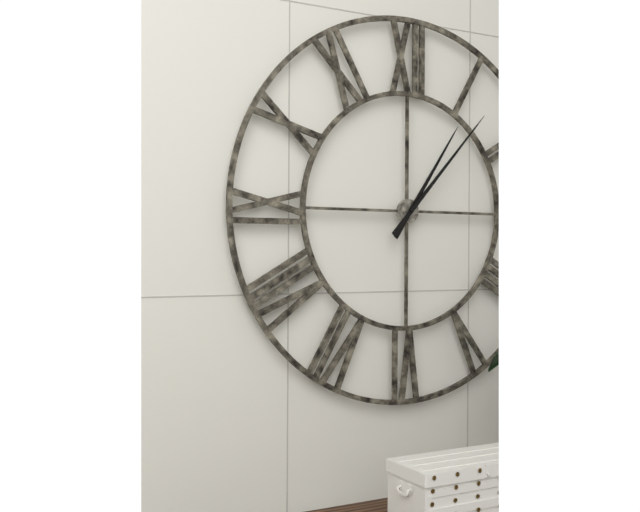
1 h 07 min
